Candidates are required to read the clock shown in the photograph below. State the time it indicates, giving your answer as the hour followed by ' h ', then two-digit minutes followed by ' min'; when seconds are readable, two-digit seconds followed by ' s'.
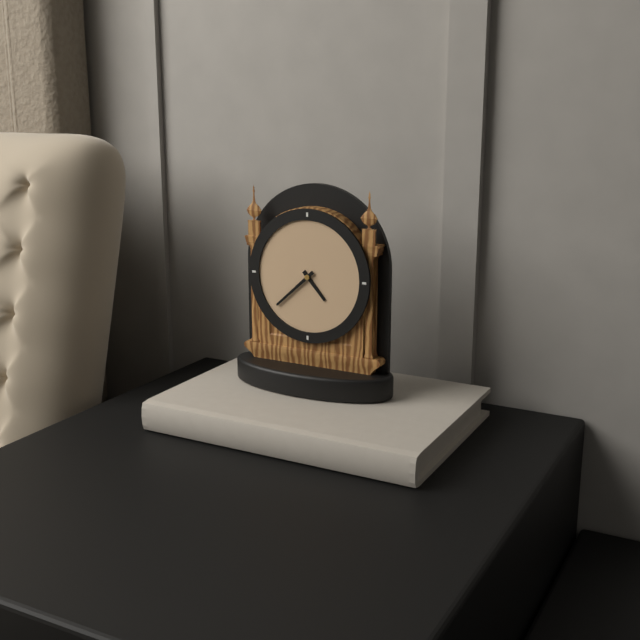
4 h 38 min
